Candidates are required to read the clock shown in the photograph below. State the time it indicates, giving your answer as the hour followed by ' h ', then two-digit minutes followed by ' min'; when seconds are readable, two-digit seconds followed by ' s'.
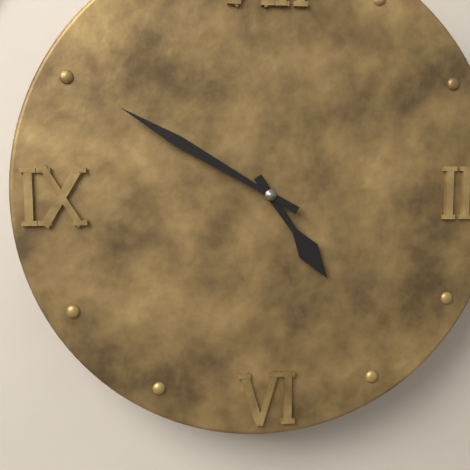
4 h 50 min
